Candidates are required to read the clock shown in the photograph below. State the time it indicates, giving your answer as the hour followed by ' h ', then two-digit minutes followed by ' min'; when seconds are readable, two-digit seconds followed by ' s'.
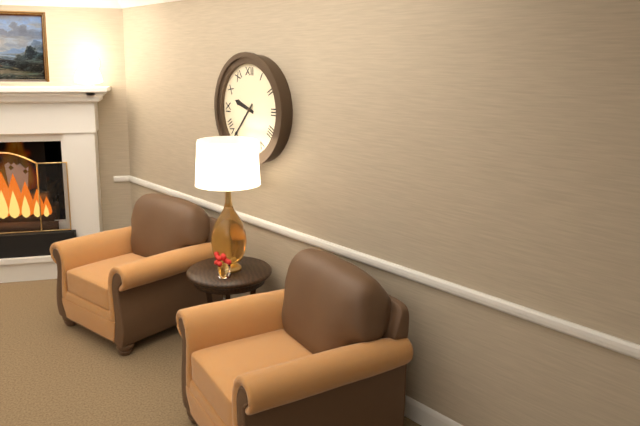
9 h 37 min
